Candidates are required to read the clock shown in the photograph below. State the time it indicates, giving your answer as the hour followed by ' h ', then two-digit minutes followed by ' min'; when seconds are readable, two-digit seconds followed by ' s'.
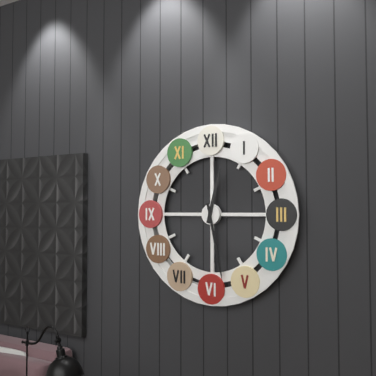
12 h 28 min
